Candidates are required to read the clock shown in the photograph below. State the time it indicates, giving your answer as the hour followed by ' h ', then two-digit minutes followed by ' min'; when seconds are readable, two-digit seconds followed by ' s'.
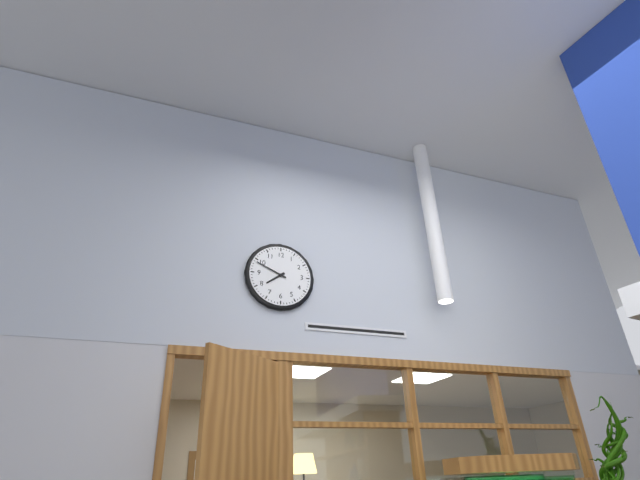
7 h 49 min
